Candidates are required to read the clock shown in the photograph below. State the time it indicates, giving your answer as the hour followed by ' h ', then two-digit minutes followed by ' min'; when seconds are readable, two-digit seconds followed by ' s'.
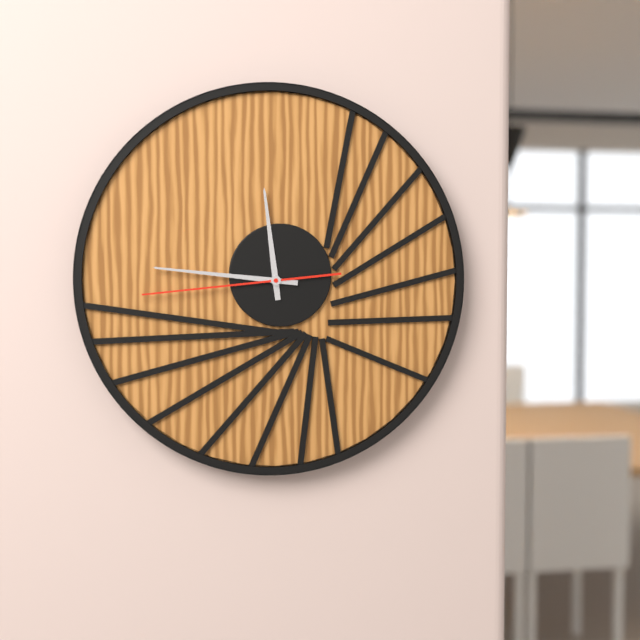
11 h 46 min 44 s
